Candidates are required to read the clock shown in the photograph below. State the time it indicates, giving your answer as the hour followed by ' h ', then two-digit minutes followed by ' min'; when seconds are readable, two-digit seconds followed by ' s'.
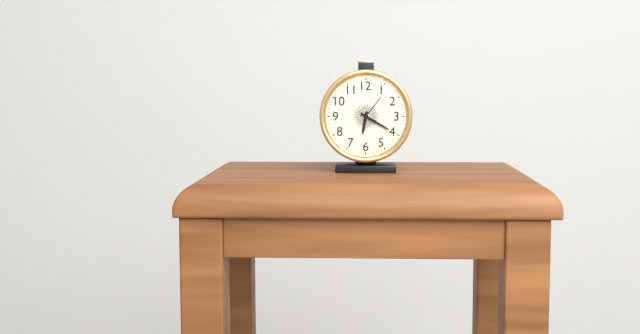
6 h 20 min
